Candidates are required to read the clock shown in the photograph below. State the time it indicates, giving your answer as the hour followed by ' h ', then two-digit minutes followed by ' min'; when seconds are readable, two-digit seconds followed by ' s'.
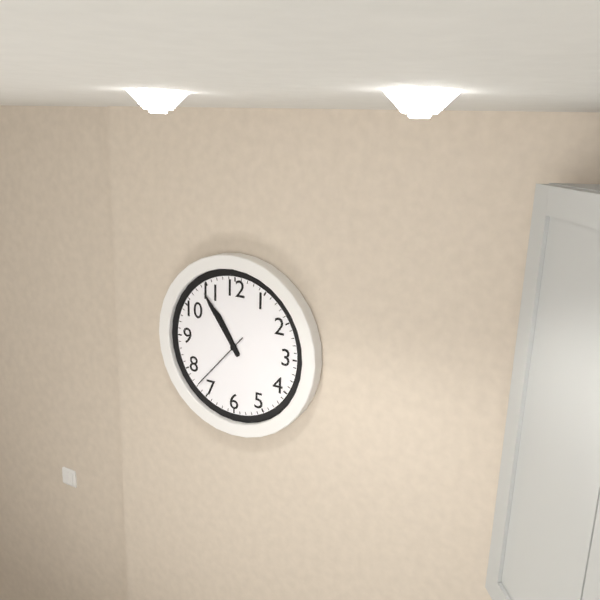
10 h 54 min 37 s
